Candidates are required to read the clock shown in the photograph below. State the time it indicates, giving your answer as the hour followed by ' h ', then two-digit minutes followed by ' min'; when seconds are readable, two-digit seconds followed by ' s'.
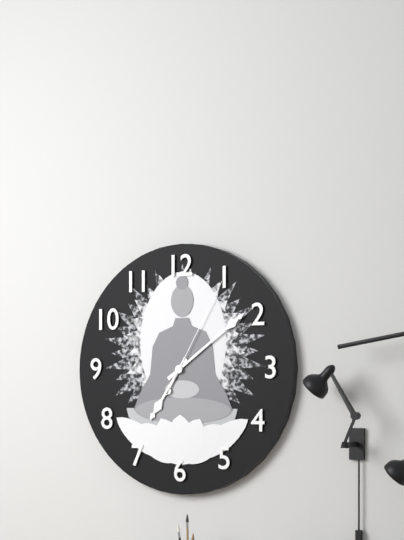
7 h 09 min 05 s
